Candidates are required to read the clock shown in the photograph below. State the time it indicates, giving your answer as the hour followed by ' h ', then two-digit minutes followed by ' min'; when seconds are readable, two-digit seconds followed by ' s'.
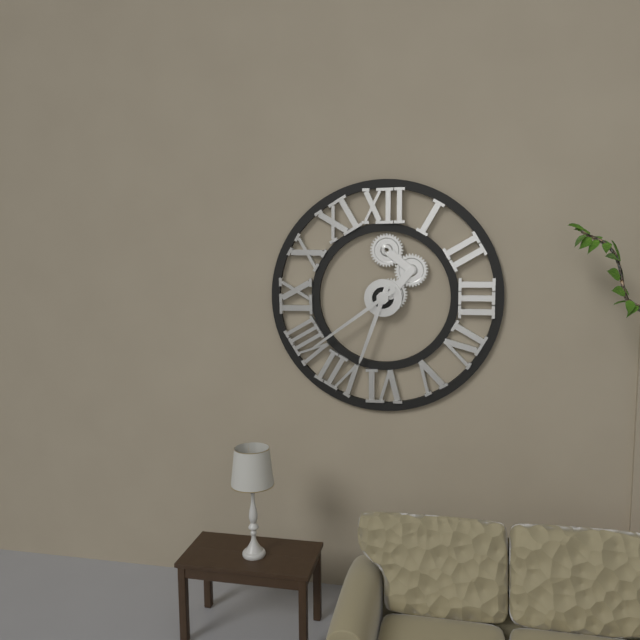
6 h 39 min
